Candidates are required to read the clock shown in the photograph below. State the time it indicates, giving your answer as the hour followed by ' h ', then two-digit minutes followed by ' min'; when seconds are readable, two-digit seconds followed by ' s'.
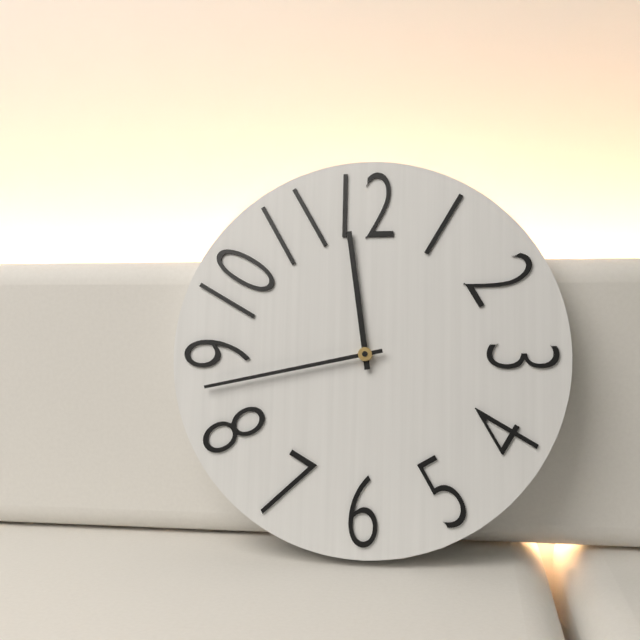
11 h 43 min
